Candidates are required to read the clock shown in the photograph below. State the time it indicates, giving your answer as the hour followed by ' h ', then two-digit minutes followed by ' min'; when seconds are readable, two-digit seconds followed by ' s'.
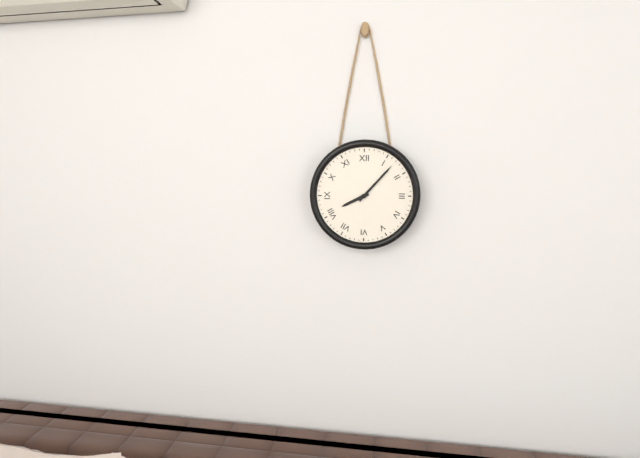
8 h 07 min
